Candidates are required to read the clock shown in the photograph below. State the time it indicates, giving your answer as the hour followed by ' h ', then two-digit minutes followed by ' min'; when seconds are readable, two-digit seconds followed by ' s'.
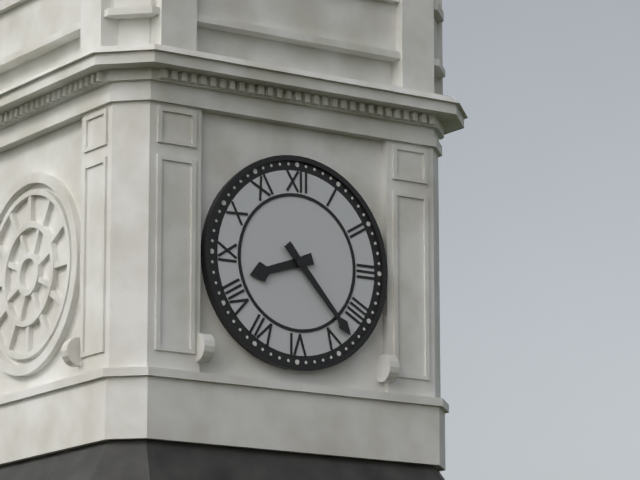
8 h 23 min
